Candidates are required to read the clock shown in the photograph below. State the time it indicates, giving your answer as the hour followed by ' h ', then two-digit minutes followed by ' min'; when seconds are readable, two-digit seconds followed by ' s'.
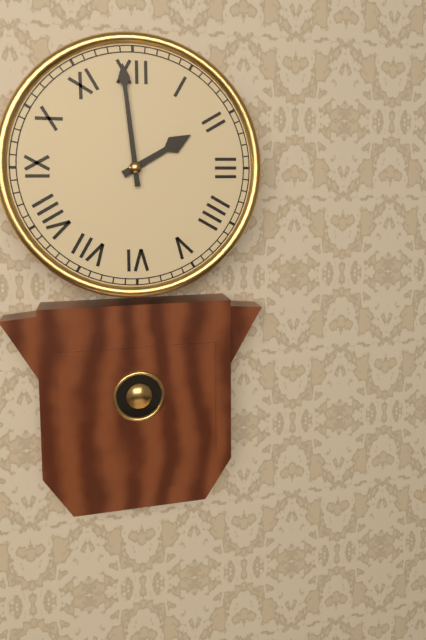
1 h 59 min
